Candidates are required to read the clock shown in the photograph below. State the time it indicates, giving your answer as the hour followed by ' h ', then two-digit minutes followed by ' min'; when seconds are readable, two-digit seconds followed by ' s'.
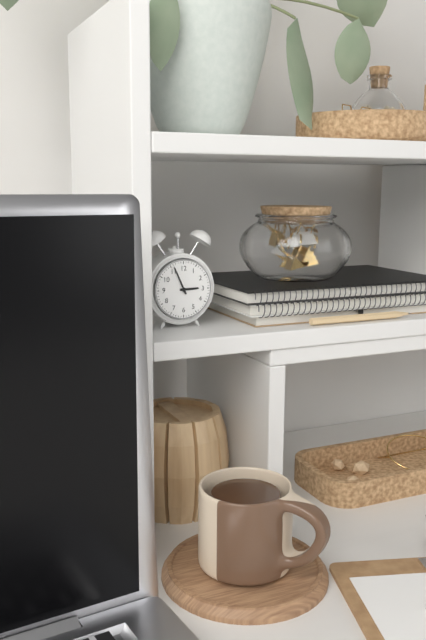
2 h 56 min
